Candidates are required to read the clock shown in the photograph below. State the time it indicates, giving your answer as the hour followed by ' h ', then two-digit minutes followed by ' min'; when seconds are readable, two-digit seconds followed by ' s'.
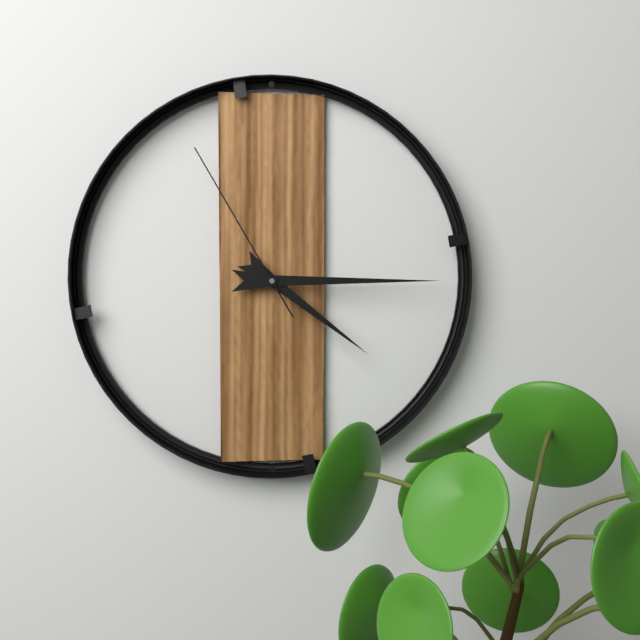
4 h 15 min 55 s
